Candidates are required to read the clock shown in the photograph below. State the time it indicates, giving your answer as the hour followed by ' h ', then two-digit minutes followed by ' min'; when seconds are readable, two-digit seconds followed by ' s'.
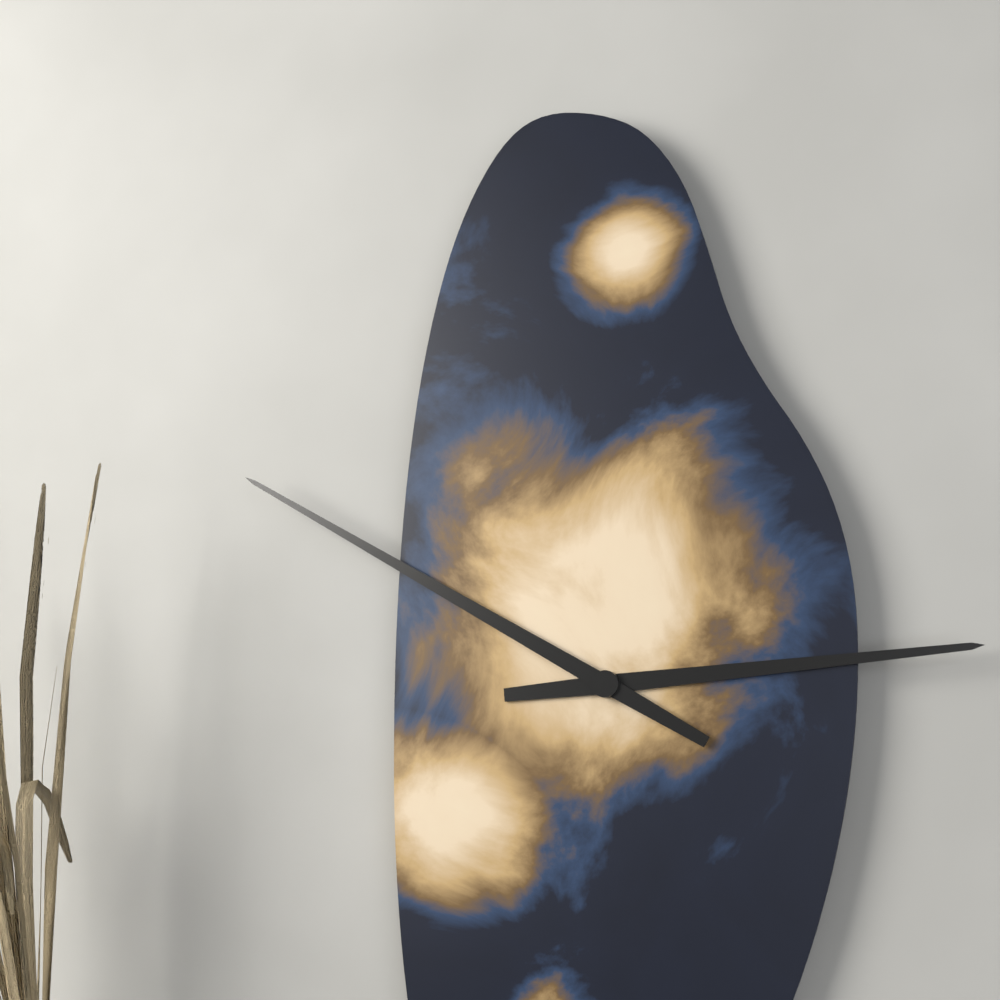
2 h 50 min
